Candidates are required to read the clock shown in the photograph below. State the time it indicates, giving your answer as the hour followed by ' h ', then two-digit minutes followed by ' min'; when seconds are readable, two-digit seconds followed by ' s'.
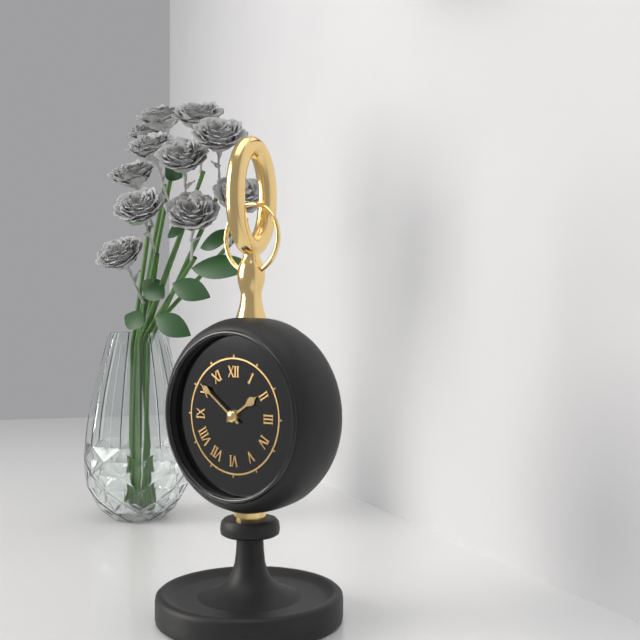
1 h 51 min
